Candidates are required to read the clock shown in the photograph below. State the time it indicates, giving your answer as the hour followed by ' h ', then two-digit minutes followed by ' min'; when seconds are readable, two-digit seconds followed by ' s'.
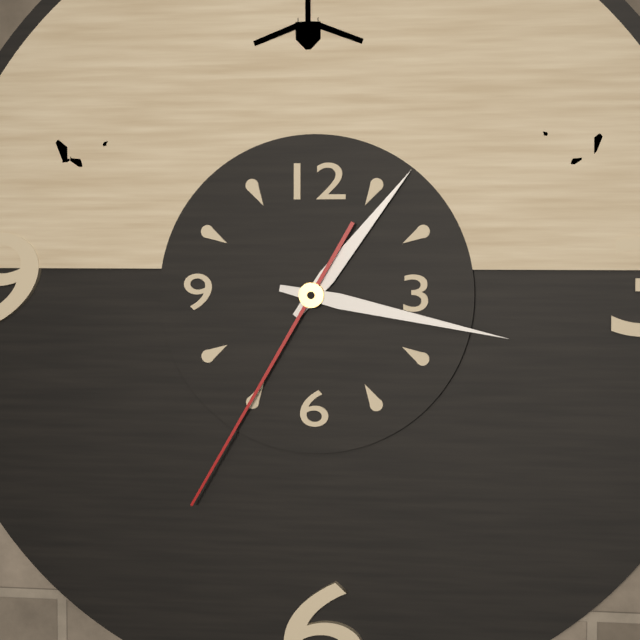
1 h 17 min 35 s
